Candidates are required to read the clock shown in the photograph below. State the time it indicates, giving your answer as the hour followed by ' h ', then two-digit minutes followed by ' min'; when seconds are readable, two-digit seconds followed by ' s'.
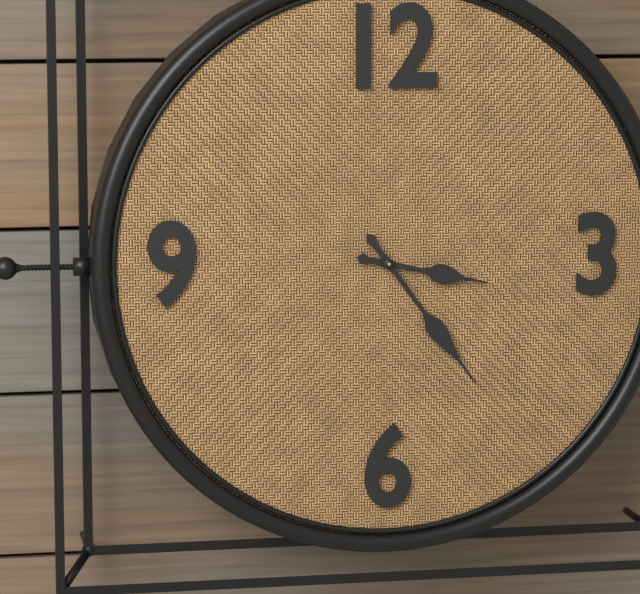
3 h 24 min
